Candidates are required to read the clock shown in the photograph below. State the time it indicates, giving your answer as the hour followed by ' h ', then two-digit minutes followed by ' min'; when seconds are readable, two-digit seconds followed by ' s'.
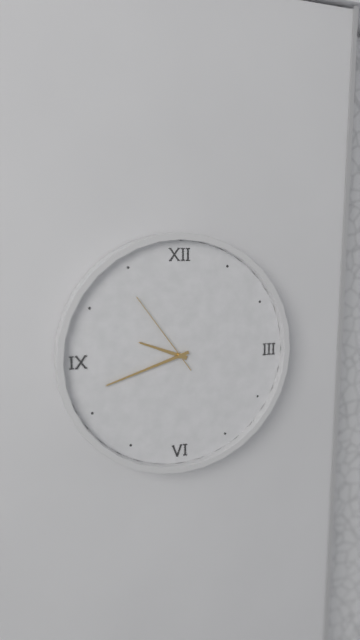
9 h 42 min 54 s
